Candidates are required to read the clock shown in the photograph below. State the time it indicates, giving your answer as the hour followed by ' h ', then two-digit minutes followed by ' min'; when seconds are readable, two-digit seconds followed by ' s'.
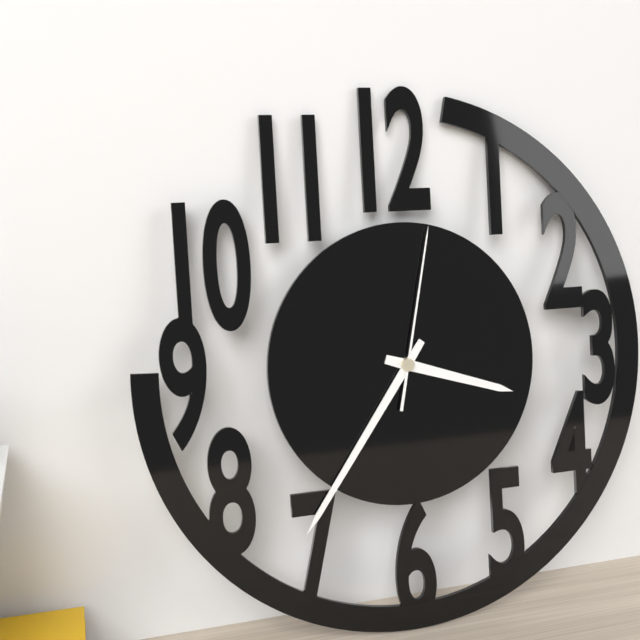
3 h 36 min 02 s
